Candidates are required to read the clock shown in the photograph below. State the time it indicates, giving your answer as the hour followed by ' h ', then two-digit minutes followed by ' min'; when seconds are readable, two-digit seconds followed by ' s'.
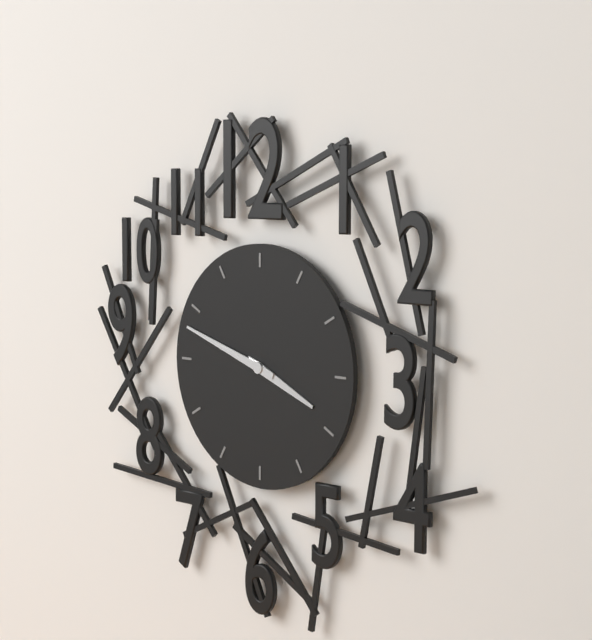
3 h 48 min
